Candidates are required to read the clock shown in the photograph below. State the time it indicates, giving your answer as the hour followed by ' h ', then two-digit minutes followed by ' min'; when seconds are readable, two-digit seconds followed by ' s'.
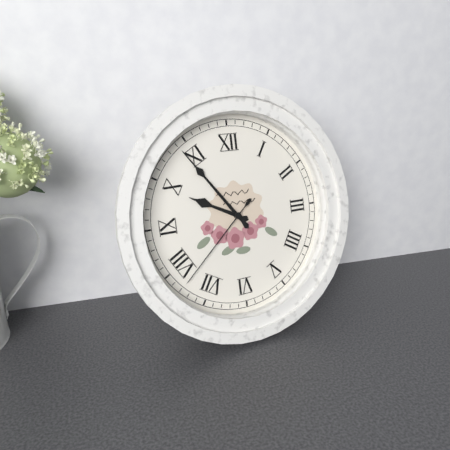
9 h 54 min 38 s
